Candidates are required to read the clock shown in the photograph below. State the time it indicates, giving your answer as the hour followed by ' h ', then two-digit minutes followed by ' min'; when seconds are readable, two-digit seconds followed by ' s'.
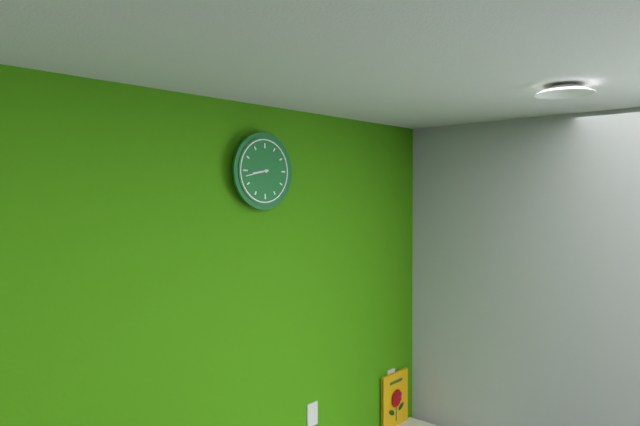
8 h 43 min
